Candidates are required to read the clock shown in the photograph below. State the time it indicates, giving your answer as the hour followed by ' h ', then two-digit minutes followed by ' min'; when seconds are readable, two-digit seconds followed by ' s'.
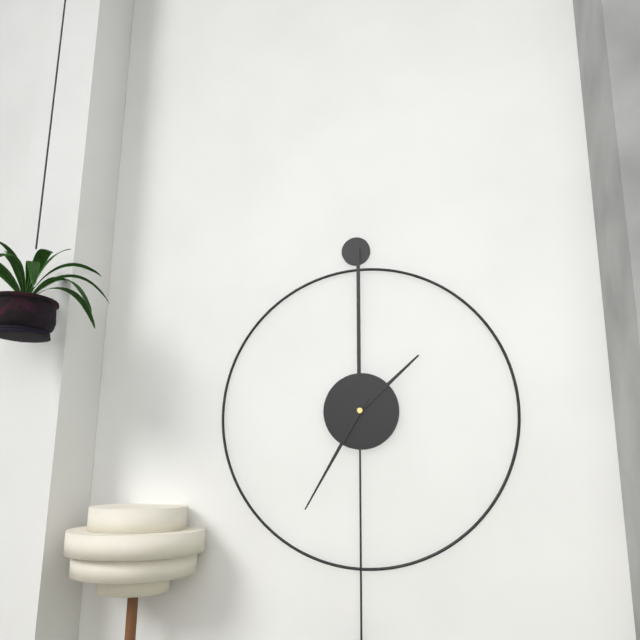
1 h 35 min
